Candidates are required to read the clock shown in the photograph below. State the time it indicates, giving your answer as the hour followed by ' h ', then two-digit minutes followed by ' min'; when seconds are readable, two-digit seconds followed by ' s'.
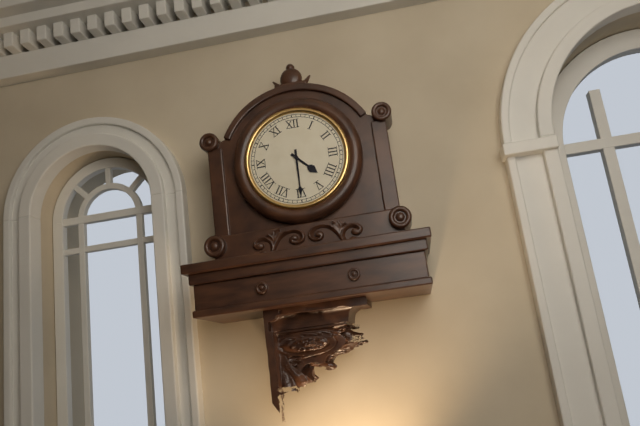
4 h 30 min
